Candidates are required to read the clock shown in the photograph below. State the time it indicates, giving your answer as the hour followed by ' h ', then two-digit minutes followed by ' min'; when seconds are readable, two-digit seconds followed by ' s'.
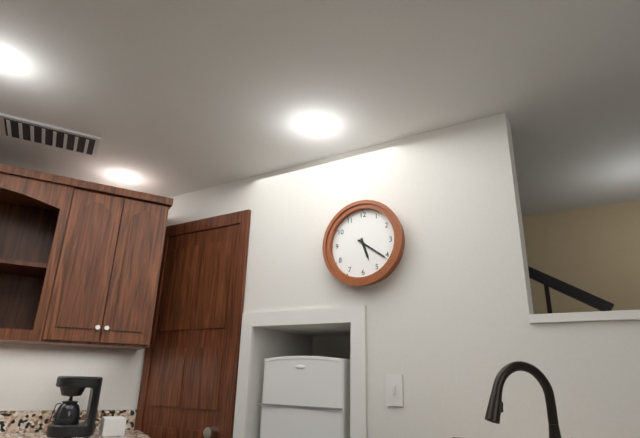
5 h 21 min
